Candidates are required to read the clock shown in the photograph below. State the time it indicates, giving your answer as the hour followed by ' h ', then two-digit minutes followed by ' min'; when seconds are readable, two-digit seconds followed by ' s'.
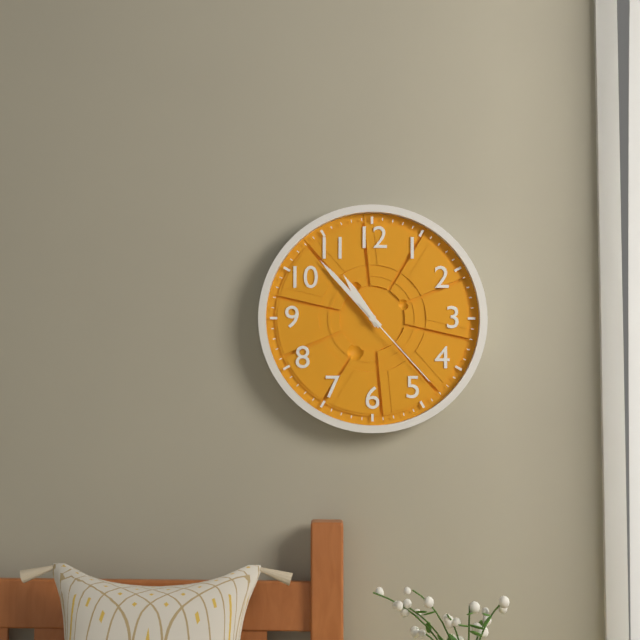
10 h 53 min 23 s
